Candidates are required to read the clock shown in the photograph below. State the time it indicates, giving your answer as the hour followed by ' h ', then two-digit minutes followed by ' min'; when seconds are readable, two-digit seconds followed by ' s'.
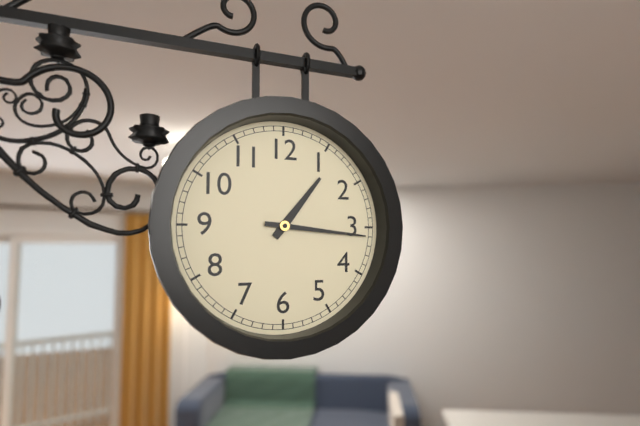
1 h 16 min
